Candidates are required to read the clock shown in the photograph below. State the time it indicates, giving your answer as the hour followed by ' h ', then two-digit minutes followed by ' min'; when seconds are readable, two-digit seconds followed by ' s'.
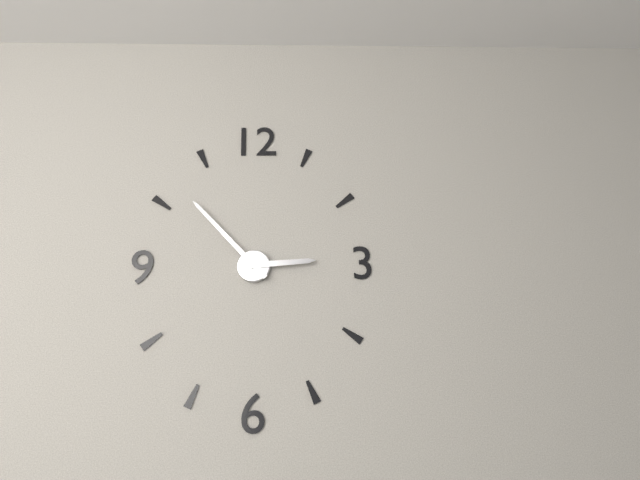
2 h 53 min
